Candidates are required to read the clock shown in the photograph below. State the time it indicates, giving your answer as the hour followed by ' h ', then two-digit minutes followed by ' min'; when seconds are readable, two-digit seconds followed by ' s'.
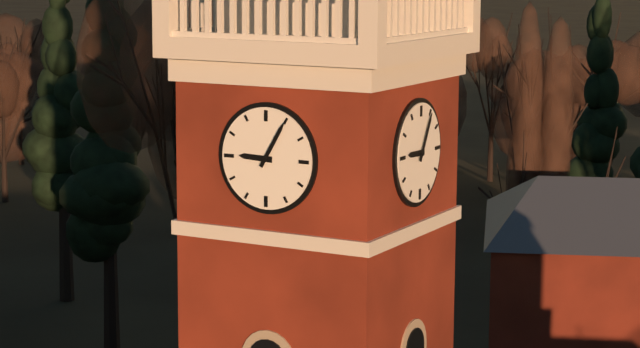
9 h 05 min
